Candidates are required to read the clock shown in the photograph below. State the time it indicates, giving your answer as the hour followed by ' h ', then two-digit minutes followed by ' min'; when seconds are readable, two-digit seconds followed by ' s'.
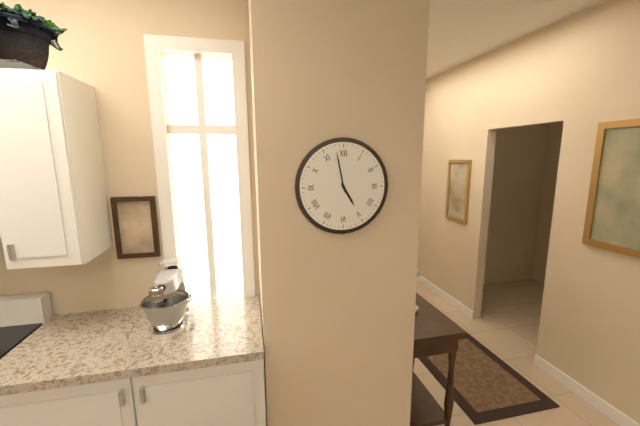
4 h 58 min
